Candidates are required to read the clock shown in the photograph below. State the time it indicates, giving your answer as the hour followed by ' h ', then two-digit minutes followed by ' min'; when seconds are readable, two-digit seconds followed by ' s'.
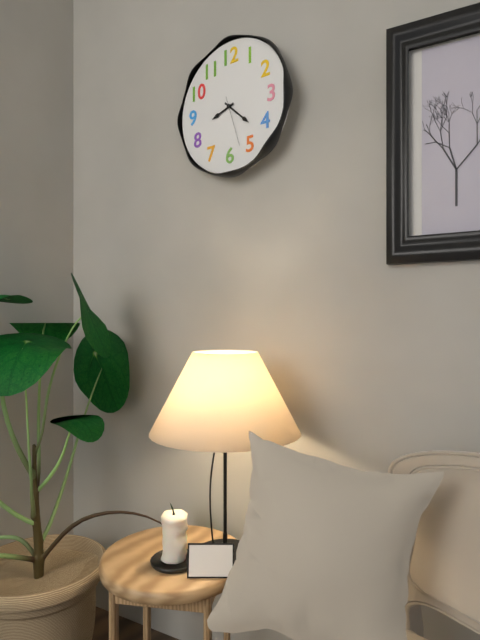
8 h 22 min 27 s
